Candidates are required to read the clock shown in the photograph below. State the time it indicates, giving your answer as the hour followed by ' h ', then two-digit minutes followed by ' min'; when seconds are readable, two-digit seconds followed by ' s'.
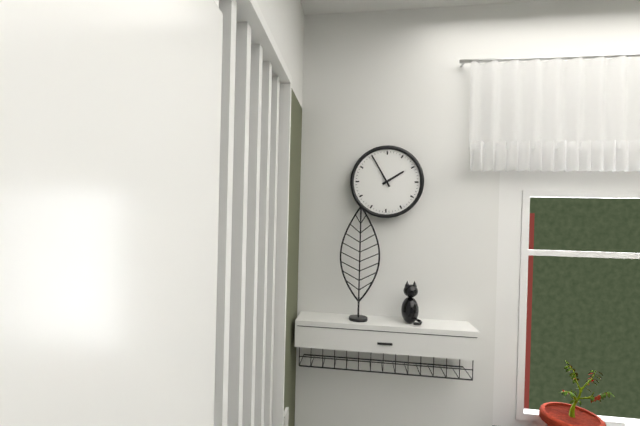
1 h 55 min
